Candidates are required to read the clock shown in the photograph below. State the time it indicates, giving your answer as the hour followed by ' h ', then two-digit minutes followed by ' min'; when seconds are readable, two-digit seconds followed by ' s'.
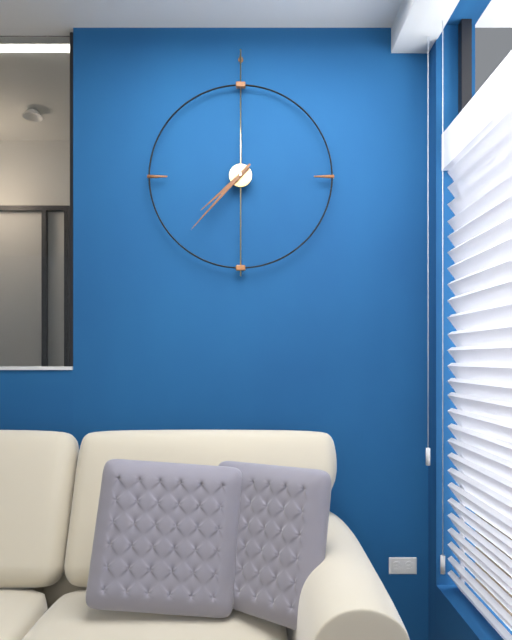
7 h 37 min
